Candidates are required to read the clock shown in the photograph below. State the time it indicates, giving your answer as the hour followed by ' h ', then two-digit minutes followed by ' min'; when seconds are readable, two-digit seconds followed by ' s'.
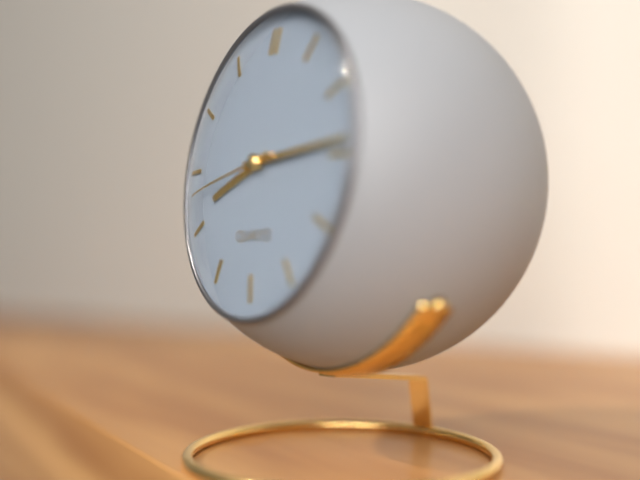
8 h 14 min 43 s
